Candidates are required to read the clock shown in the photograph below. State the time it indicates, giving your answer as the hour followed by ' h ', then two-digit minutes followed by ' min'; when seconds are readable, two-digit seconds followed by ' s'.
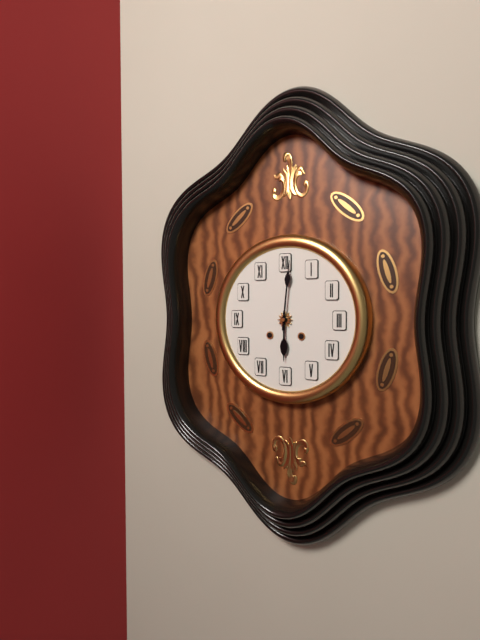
6 h 01 min
